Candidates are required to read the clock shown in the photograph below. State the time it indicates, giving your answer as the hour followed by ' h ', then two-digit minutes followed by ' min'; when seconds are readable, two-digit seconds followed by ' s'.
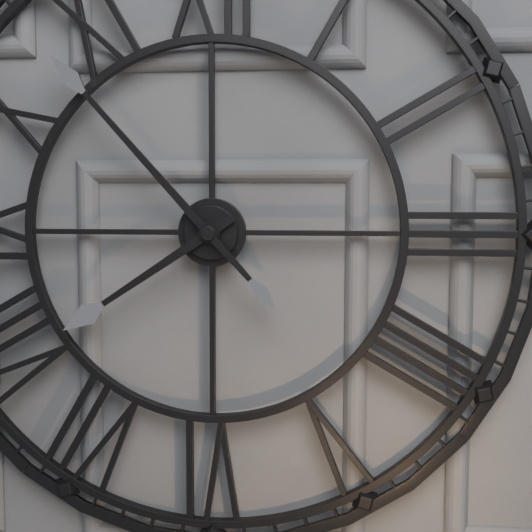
7 h 53 min
